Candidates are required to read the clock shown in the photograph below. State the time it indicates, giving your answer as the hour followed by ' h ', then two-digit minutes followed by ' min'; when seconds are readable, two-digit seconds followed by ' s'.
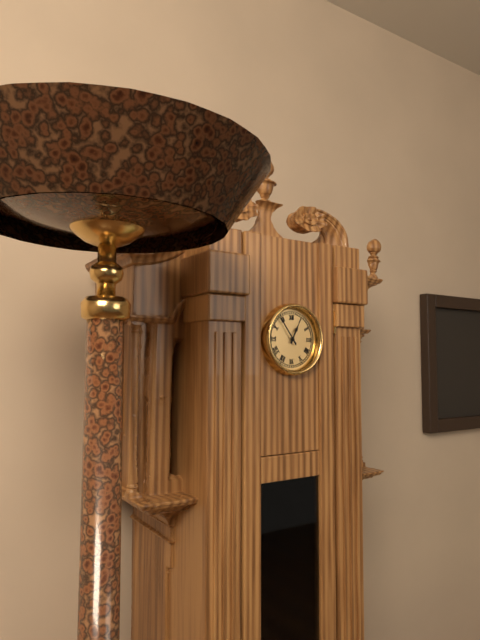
12 h 54 min
